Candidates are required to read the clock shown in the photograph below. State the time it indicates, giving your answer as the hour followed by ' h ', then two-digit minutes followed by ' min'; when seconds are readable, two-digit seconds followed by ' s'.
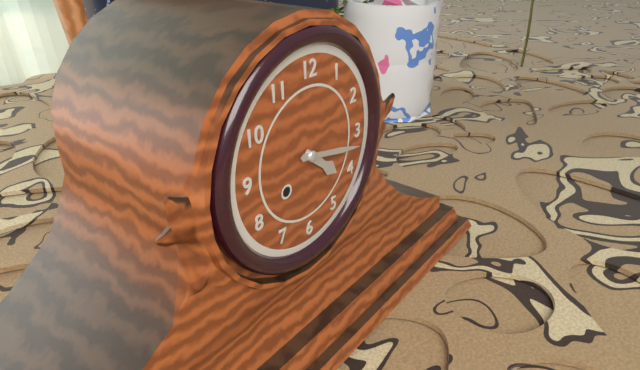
4 h 17 min
